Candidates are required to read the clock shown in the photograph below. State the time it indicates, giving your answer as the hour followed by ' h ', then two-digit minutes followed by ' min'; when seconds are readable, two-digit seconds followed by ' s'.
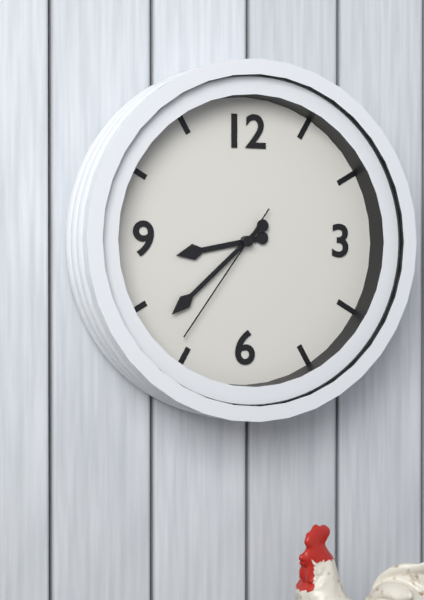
8 h 38 min 36 s
